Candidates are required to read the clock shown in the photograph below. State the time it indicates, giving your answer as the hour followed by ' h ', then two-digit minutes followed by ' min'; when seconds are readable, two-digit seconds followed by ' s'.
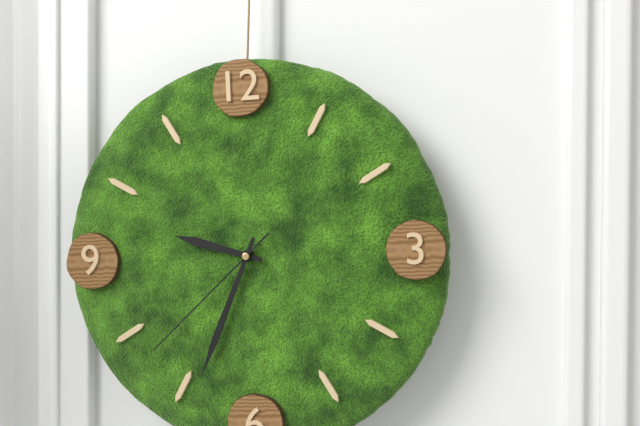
9 h 34 min 38 s
